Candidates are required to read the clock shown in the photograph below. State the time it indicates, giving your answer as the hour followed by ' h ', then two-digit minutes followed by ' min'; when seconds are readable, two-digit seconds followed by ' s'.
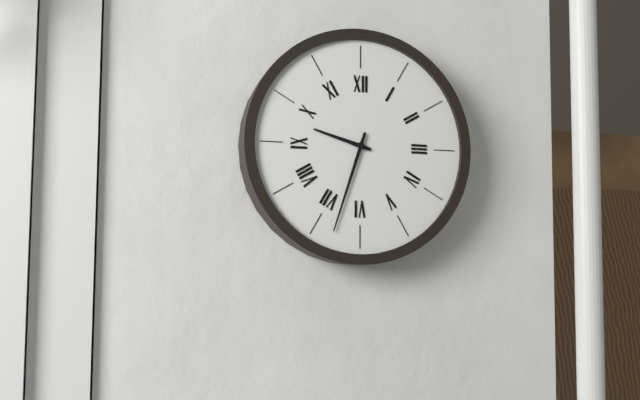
9 h 33 min
